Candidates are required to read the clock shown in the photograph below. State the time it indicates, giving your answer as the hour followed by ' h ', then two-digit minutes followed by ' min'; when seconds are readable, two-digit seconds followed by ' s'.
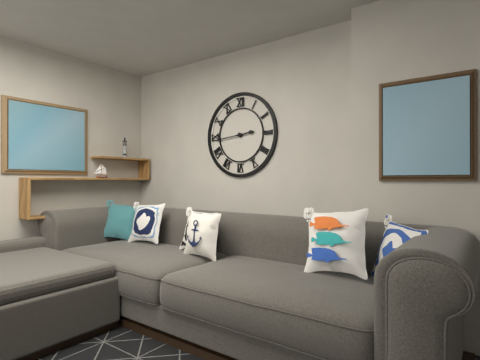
2 h 44 min
